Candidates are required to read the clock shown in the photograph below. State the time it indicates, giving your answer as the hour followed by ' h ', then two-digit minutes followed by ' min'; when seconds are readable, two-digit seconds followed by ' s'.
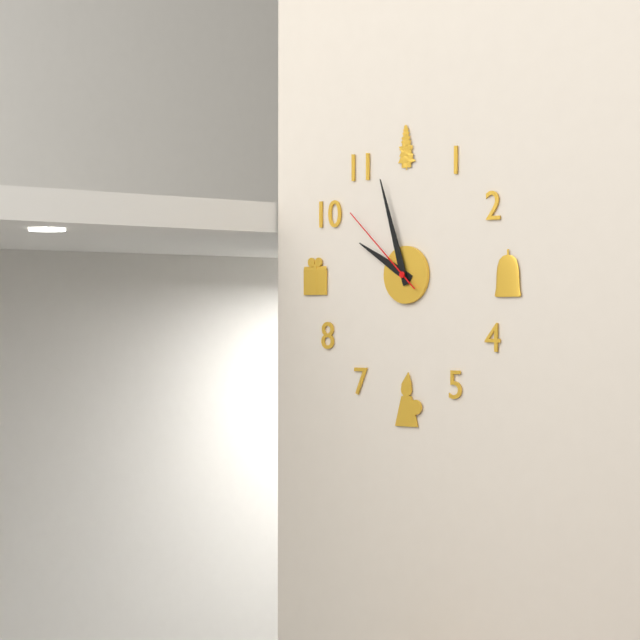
9 h 57 min 52 s
